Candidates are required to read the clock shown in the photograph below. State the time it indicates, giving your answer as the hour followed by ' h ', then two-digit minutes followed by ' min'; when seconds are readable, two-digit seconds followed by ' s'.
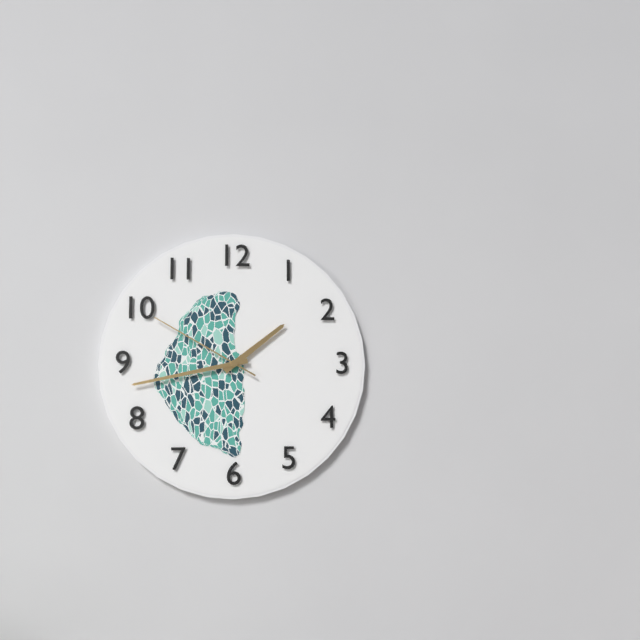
1 h 43 min 50 s
